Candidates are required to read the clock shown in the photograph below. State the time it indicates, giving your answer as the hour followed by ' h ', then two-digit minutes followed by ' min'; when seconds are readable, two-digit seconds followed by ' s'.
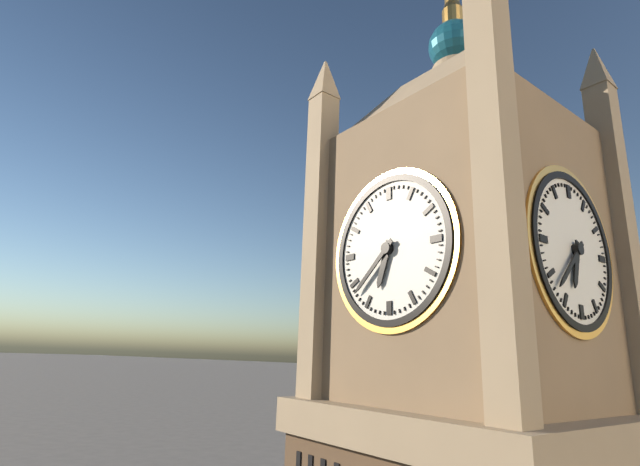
6 h 38 min
